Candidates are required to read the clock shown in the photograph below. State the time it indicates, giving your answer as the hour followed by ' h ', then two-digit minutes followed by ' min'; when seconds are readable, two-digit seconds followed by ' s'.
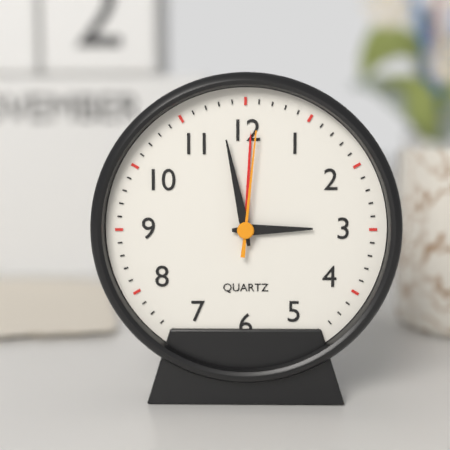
2 h 58 min 01 s
